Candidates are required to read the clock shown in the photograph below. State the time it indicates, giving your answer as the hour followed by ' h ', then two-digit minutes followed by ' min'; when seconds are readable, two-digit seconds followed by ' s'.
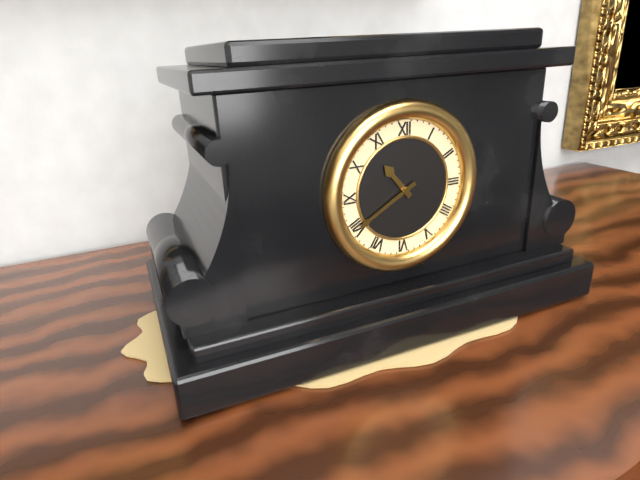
10 h 40 min
